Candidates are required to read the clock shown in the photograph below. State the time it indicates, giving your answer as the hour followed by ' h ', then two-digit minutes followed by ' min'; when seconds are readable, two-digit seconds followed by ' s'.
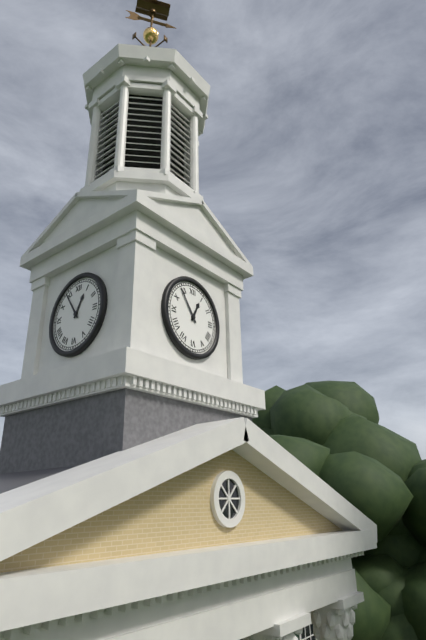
12 h 54 min
